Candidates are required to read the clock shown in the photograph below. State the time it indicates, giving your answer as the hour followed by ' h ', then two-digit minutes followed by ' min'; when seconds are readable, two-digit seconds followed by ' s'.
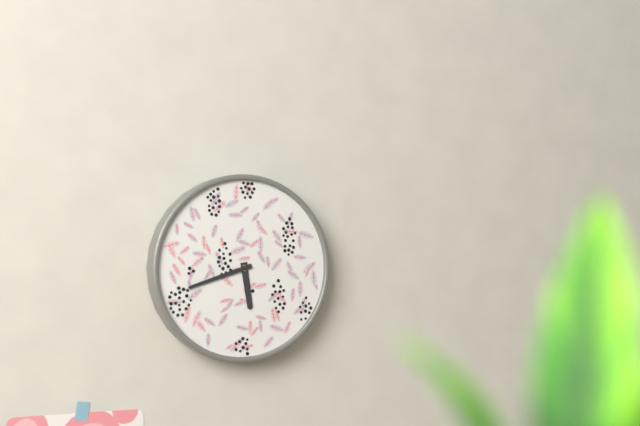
5 h 42 min
